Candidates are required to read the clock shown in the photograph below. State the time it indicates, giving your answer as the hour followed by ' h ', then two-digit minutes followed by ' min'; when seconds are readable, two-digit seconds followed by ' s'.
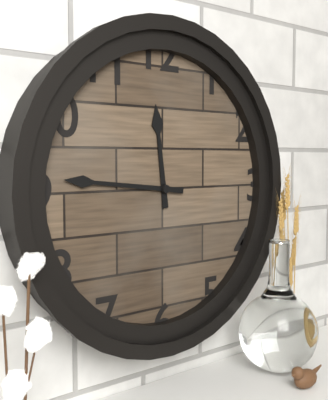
11 h 46 min
